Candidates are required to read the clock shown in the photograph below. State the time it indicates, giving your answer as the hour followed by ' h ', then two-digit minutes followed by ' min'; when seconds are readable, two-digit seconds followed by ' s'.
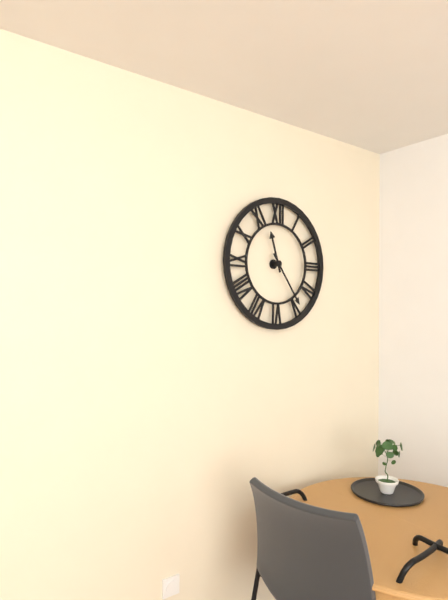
11 h 24 min
